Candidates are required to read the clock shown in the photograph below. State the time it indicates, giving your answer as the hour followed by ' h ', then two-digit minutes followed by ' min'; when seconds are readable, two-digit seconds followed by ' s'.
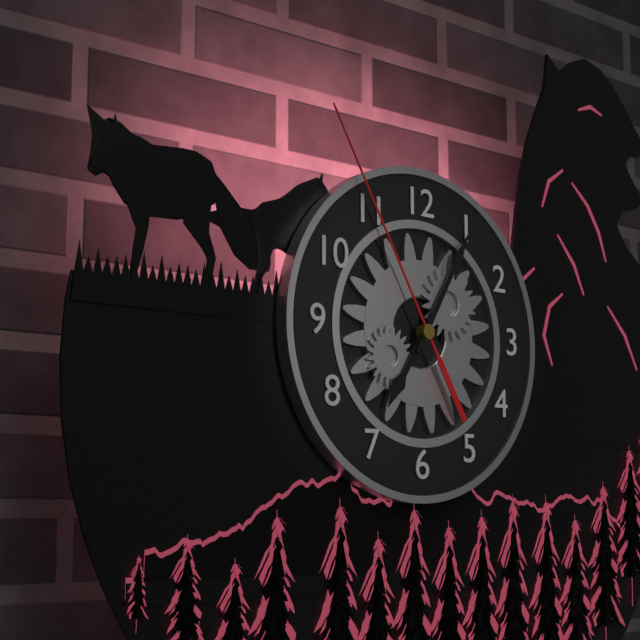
7 h 05 min 55 s
